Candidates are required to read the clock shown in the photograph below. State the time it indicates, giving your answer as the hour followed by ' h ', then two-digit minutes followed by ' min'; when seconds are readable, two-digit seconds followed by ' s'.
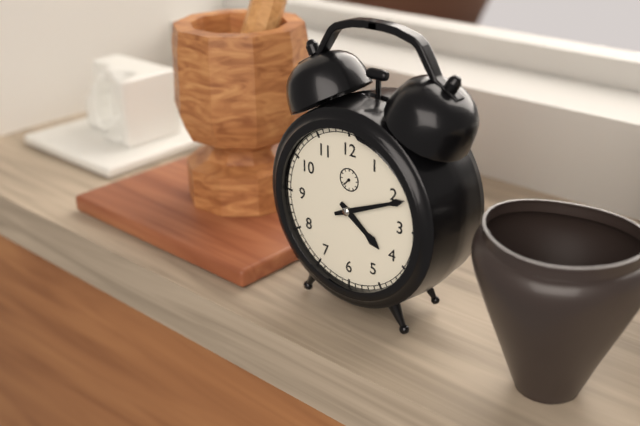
4 h 11 min
